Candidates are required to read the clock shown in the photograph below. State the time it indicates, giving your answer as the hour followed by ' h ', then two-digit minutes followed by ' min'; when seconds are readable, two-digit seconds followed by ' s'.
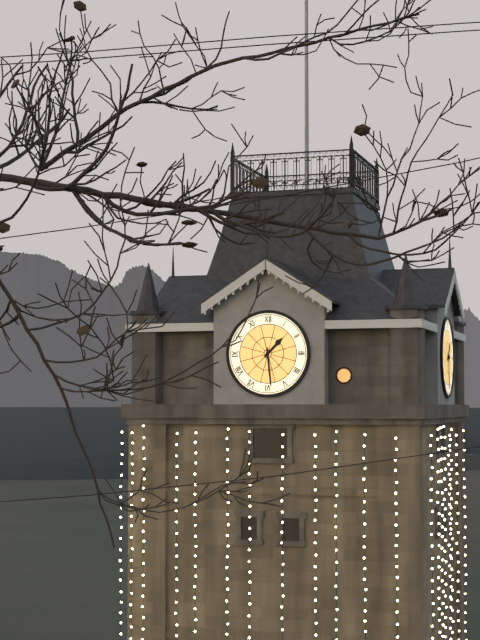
1 h 29 min
